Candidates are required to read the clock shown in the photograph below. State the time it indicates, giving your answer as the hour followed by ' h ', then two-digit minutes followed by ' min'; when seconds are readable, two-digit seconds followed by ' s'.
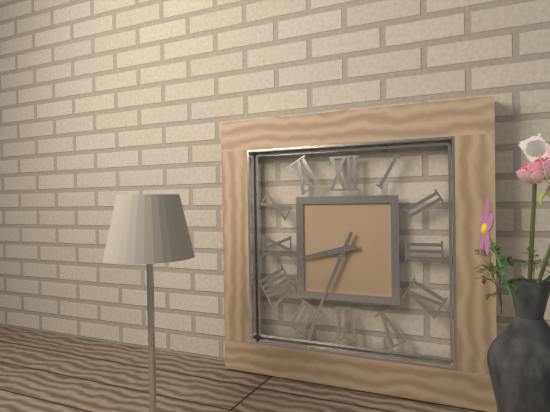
8 h 34 min
